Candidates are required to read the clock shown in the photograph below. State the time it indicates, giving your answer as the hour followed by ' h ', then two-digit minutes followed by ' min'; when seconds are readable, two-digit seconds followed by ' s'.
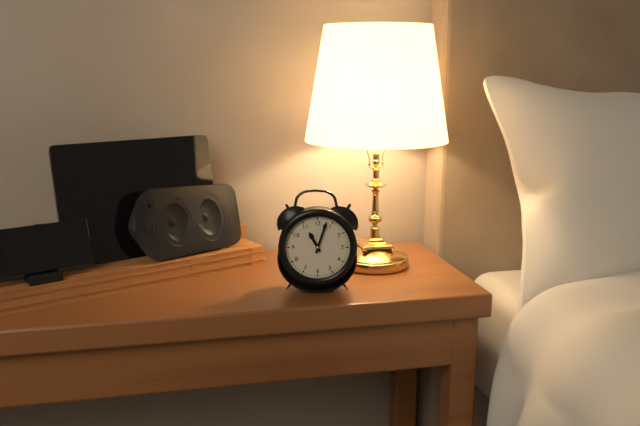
11 h 03 min
